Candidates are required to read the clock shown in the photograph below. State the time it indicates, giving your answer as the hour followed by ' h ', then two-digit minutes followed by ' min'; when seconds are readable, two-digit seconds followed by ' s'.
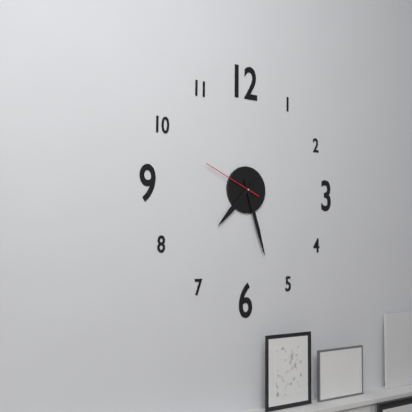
7 h 27 min 49 s
